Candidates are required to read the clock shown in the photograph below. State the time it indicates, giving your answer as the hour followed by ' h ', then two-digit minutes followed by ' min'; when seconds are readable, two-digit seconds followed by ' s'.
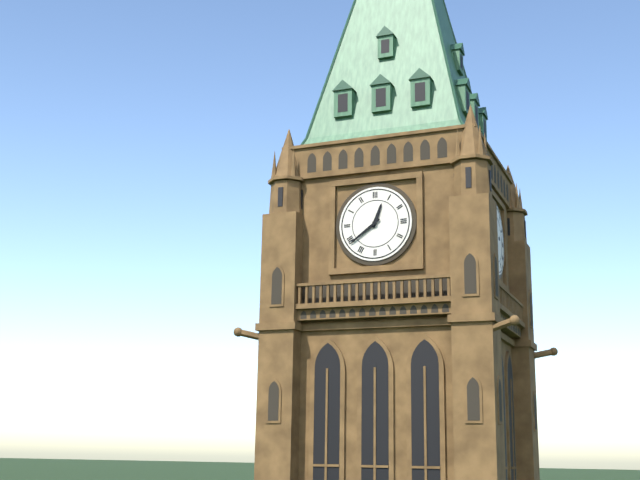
12 h 39 min
